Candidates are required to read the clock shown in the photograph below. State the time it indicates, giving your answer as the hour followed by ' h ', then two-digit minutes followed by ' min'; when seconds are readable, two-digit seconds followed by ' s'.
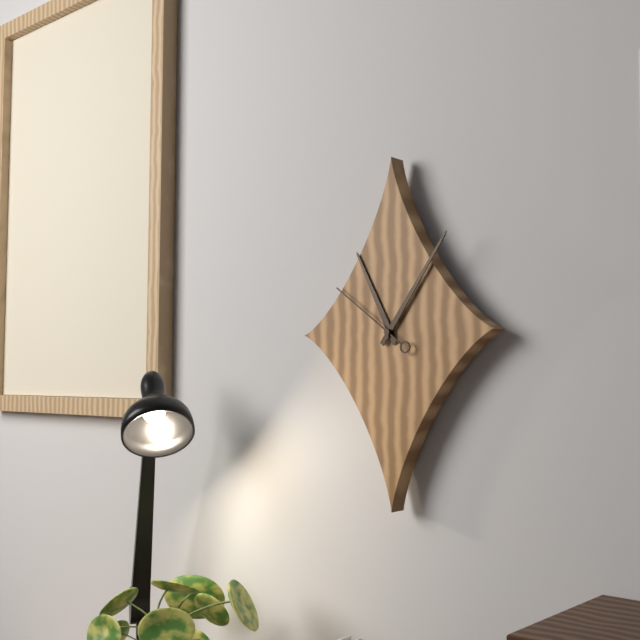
11 h 06 min 51 s
